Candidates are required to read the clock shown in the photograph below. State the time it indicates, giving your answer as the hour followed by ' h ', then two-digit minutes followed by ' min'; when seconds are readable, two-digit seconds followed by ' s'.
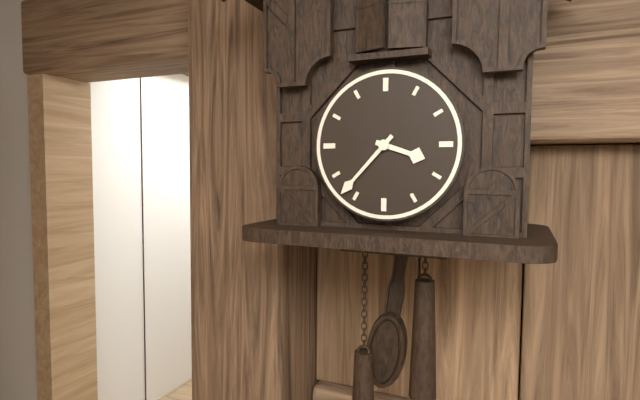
3 h 37 min
